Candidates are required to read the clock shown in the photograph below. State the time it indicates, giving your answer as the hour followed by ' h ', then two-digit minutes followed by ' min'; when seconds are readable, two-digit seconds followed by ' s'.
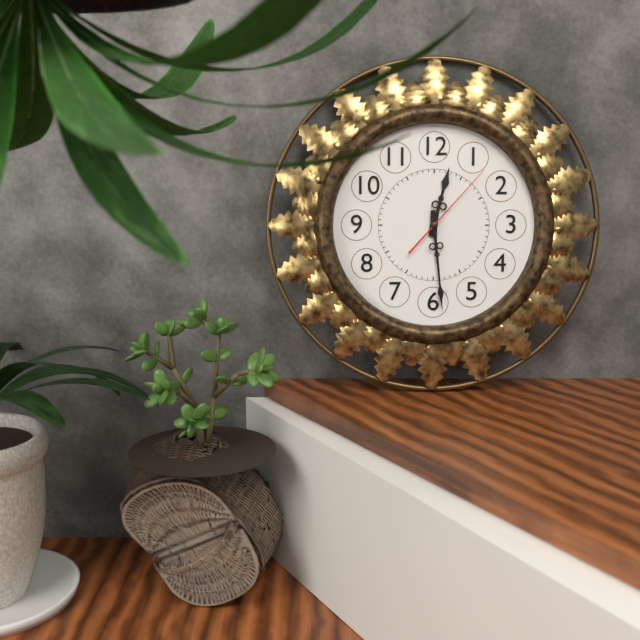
12 h 29 min 07 s
